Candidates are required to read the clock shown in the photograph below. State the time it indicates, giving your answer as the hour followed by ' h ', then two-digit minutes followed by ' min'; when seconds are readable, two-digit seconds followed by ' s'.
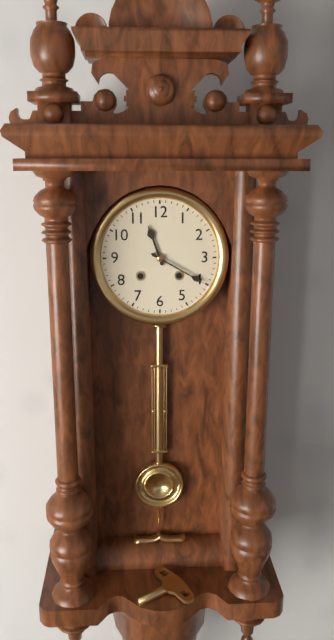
11 h 20 min
